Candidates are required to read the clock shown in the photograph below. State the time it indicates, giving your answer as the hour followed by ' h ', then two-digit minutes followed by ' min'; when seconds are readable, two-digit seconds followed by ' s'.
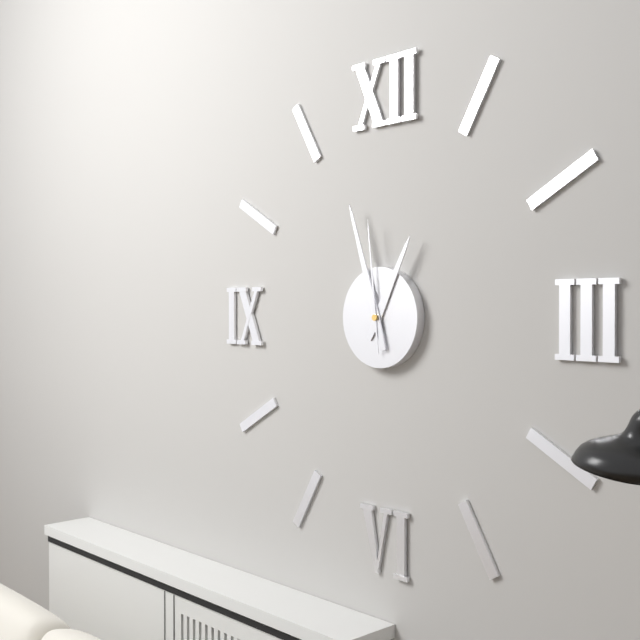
12 h 57 min 59 s
